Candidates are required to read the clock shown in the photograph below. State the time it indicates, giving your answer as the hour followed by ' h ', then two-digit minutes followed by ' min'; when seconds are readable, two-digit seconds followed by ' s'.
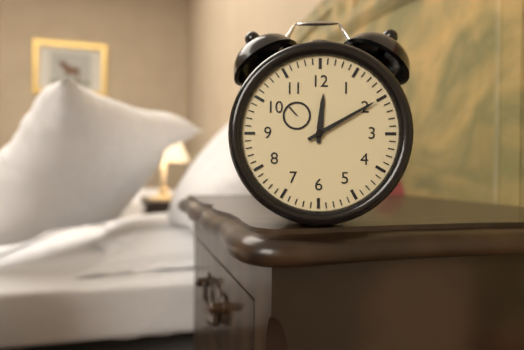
12 h 10 min
